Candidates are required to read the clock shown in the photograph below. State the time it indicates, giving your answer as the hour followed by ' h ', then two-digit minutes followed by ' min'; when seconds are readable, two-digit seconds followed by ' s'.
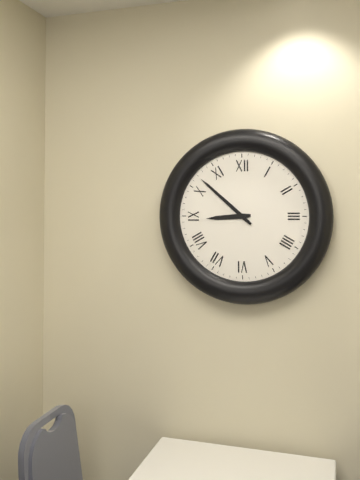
8 h 52 min
